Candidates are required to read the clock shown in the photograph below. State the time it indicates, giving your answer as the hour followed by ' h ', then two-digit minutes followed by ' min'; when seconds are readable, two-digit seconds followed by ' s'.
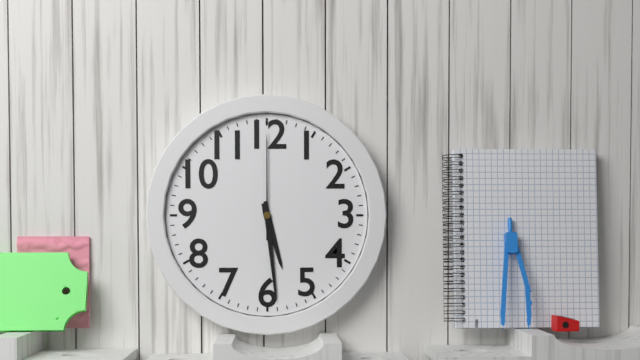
5 h 29 min 00 s
